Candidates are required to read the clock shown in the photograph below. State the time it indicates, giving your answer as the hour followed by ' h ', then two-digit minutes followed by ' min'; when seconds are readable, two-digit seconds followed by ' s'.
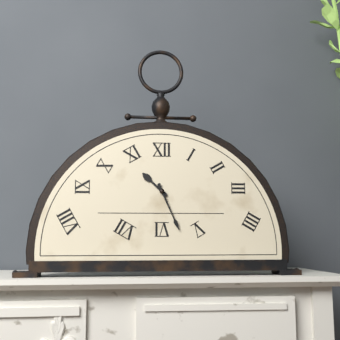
10 h 26 min
